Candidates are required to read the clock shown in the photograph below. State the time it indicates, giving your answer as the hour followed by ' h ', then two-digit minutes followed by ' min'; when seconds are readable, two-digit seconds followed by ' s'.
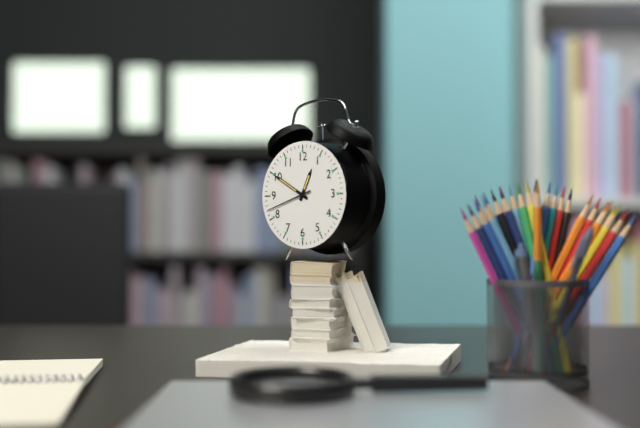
12 h 50 min
